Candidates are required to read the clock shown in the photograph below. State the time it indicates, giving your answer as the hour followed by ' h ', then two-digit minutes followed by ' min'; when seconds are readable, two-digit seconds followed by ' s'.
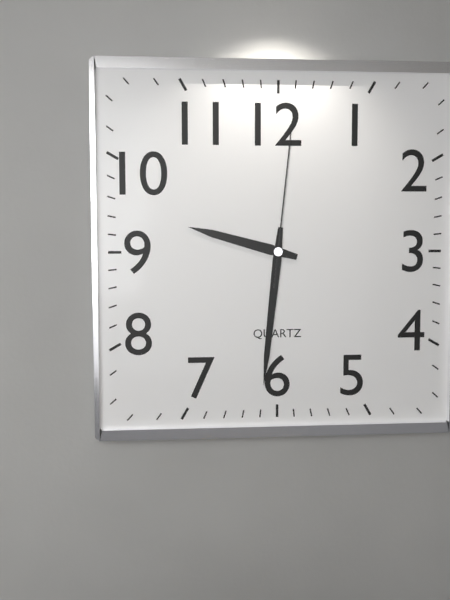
9 h 31 min 01 s
